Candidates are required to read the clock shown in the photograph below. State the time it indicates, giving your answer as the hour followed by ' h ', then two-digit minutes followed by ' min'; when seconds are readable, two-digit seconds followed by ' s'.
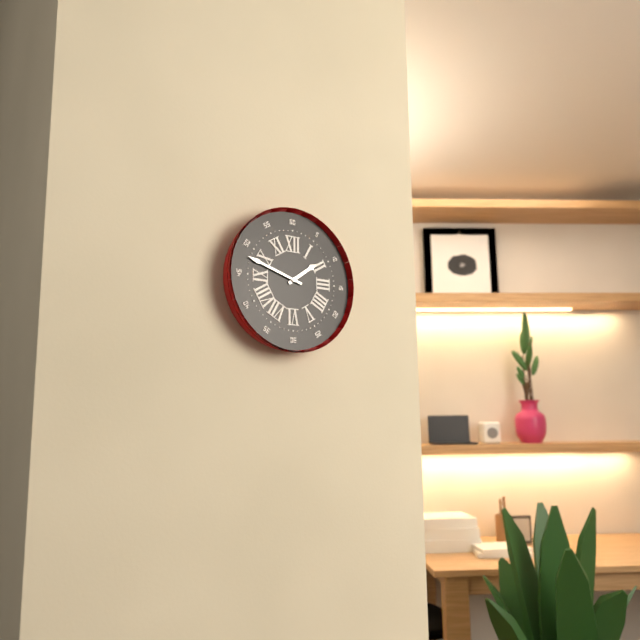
1 h 48 min
